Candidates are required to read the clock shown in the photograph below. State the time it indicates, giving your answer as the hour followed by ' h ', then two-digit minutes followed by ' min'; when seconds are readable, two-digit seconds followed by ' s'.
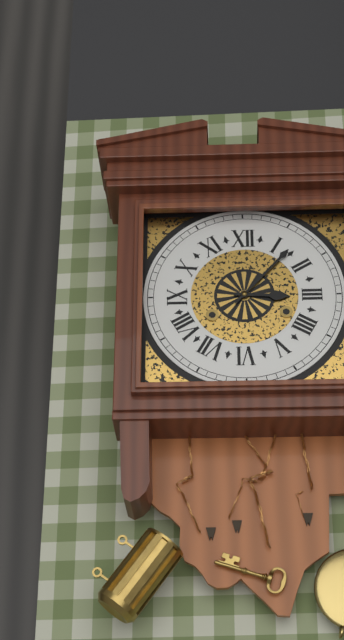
3 h 07 min
